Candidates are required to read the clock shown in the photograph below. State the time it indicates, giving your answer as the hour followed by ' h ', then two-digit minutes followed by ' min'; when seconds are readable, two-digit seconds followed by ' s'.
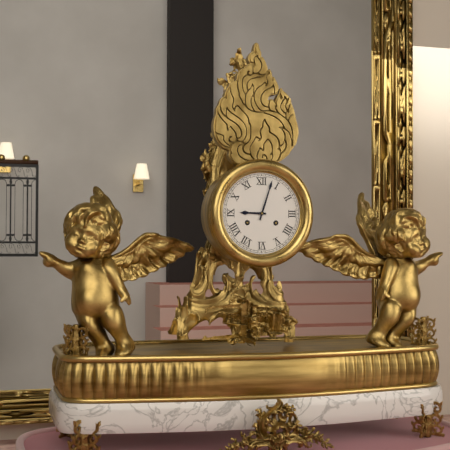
9 h 03 min
